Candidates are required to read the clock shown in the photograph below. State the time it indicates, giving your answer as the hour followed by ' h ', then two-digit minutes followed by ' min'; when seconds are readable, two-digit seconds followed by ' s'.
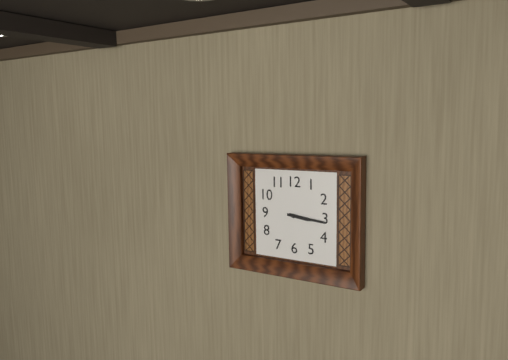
3 h 16 min
